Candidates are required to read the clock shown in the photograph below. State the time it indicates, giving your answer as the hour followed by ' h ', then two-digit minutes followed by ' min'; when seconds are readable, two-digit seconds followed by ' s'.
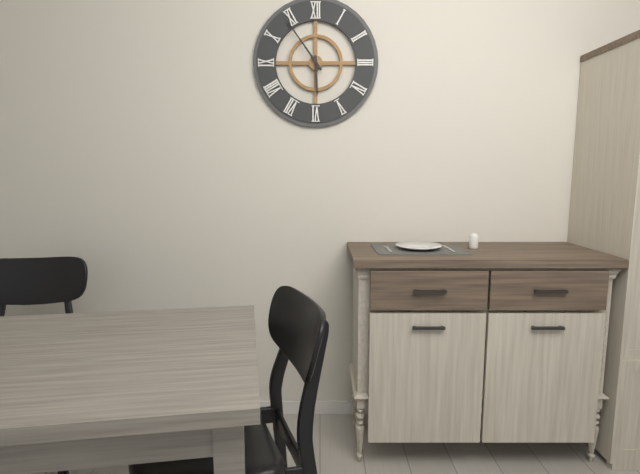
5 h 54 min
